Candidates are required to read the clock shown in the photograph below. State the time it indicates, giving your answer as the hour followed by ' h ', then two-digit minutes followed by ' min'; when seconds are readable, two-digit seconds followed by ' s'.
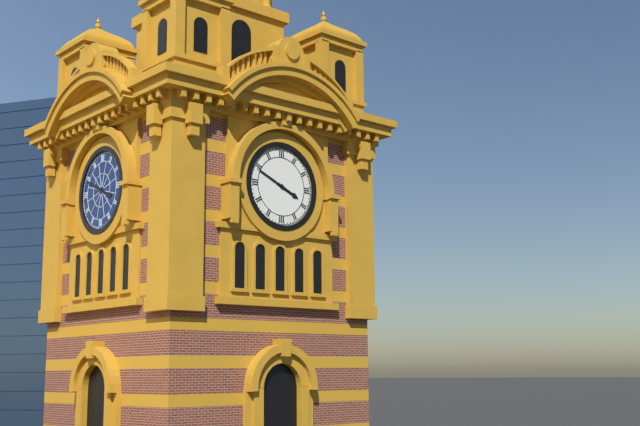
3 h 49 min
